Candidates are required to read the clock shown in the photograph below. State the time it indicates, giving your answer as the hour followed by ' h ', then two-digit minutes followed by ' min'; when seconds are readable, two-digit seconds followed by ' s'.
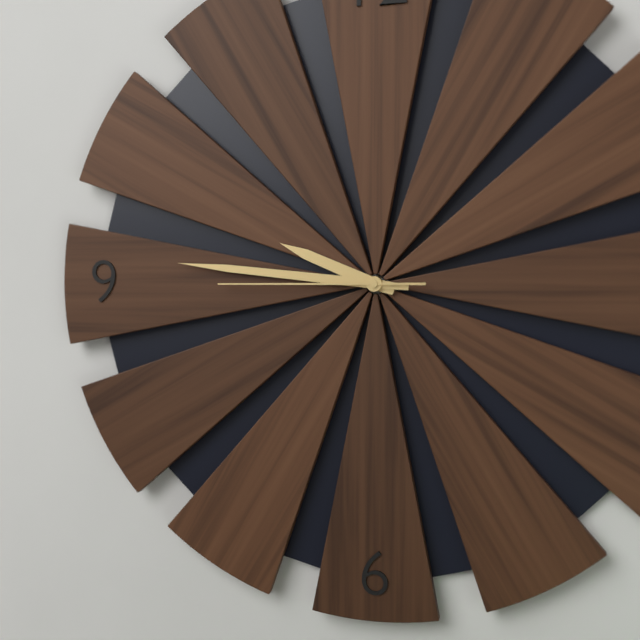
9 h 46 min 45 s
